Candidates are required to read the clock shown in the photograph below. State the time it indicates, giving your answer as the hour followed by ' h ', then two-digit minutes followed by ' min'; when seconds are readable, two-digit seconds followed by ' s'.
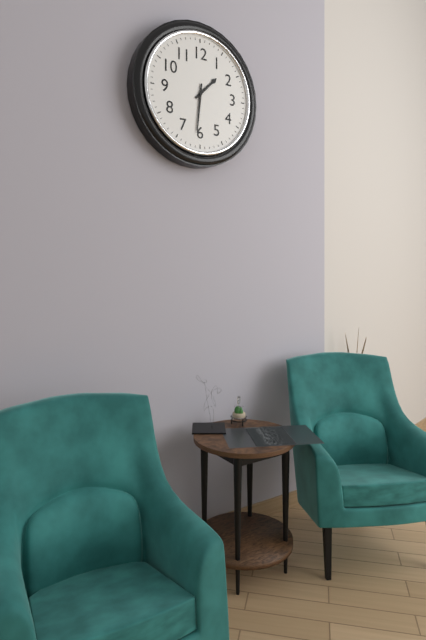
1 h 31 min
